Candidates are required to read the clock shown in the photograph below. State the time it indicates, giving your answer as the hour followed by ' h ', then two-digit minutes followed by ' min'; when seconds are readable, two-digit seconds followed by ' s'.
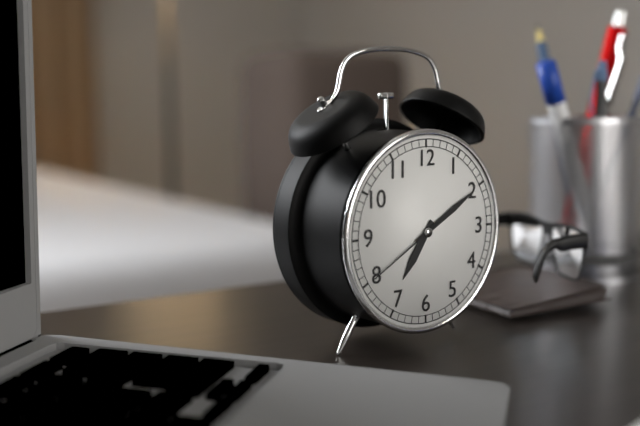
7 h 10 min 40 s
